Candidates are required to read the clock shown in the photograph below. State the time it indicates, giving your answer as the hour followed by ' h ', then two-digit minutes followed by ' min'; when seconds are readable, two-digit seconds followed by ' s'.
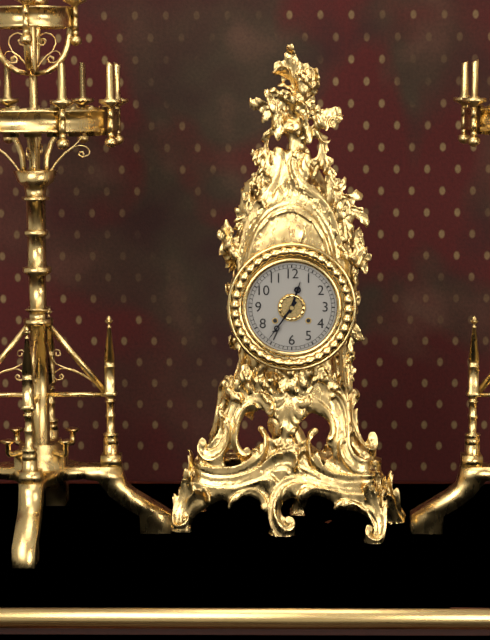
12 h 36 min
